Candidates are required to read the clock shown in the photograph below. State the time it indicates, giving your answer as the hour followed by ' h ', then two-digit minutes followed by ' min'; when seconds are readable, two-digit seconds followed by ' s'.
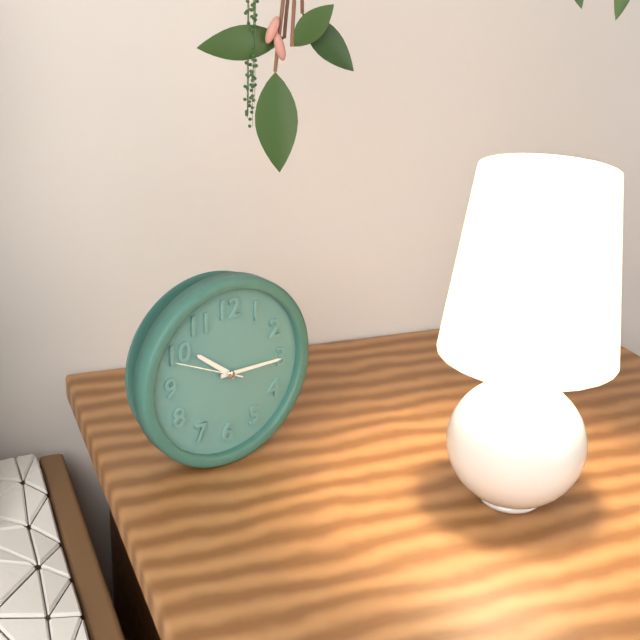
10 h 15 min 49 s
